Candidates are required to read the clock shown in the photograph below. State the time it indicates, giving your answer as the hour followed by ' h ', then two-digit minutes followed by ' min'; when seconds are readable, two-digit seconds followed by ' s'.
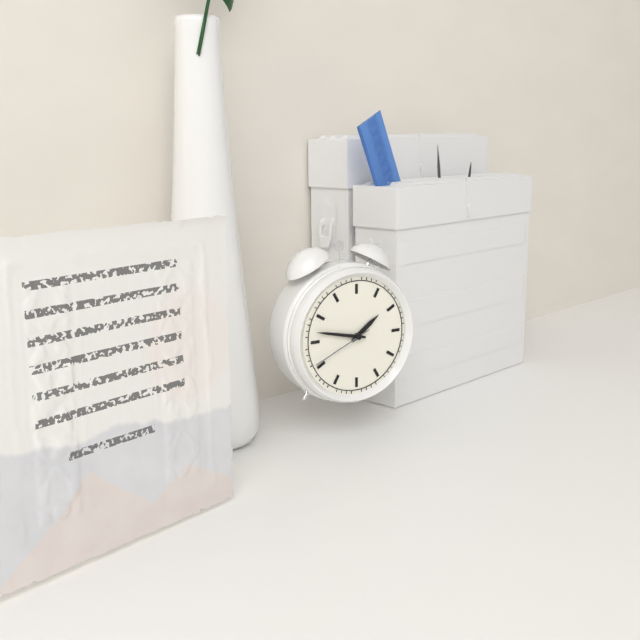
1 h 47 min 41 s
